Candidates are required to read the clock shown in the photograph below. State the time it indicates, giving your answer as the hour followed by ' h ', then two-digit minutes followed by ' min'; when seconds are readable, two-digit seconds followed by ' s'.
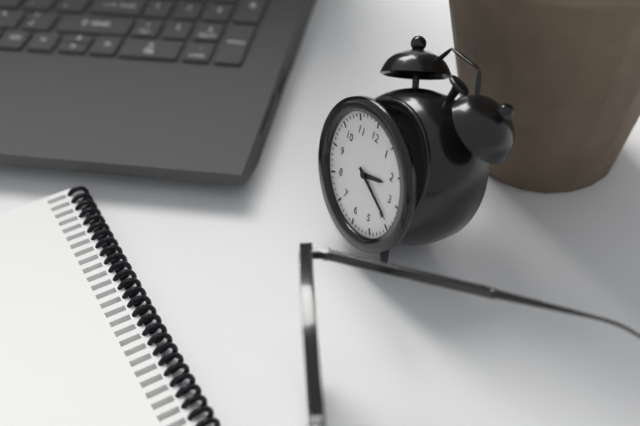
2 h 19 min
